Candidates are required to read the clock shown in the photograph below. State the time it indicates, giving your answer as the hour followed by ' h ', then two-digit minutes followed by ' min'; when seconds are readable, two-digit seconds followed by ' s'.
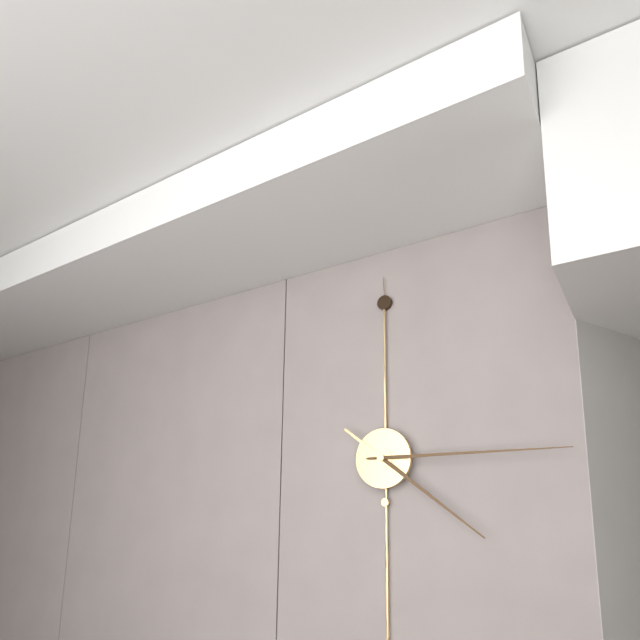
4 h 15 min
